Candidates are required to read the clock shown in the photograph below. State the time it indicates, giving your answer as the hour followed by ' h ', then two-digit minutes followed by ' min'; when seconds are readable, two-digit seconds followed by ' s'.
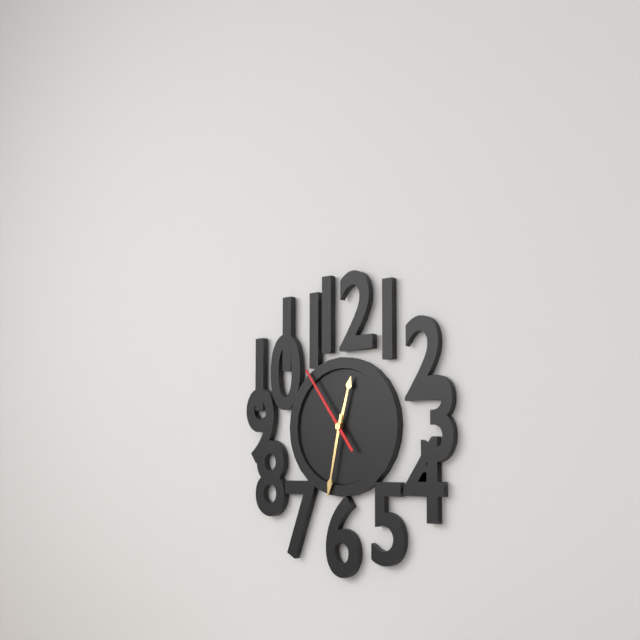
12 h 32 min 54 s
